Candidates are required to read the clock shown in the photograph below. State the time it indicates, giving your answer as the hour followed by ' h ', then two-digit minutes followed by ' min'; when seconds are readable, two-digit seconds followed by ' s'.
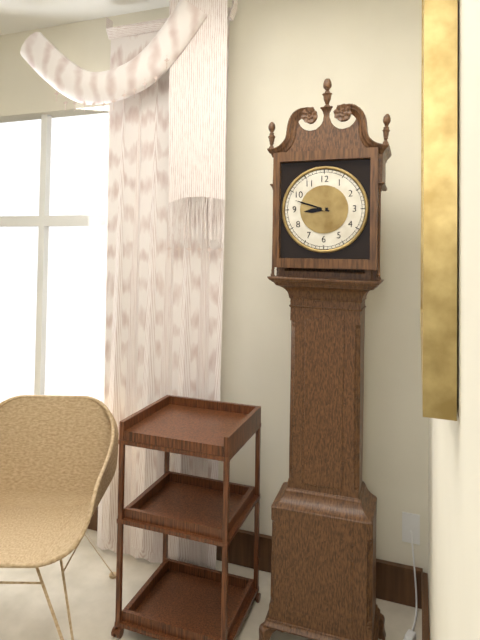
8 h 48 min
